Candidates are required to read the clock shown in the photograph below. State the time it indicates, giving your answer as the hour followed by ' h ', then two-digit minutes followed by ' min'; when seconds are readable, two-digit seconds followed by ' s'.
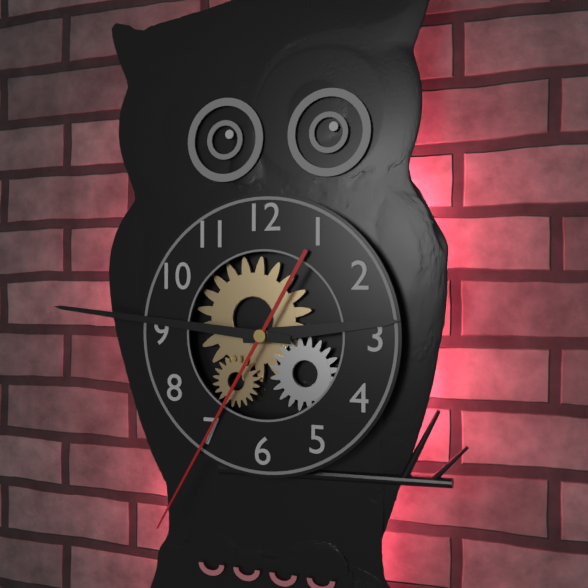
2 h 46 min 35 s
